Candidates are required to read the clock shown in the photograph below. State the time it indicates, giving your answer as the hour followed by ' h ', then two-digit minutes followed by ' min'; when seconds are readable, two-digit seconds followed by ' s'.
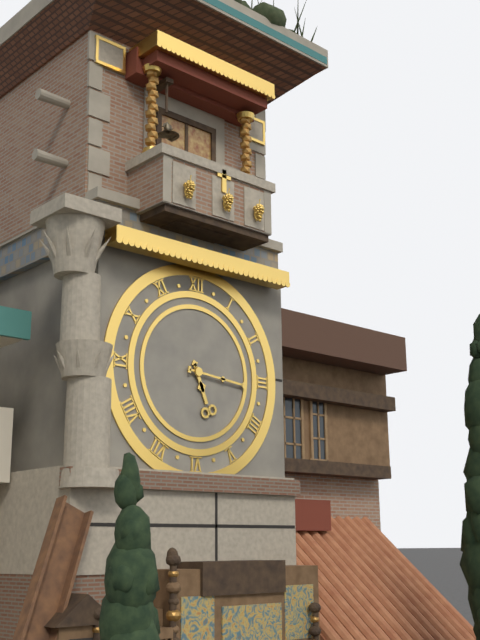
5 h 16 min
